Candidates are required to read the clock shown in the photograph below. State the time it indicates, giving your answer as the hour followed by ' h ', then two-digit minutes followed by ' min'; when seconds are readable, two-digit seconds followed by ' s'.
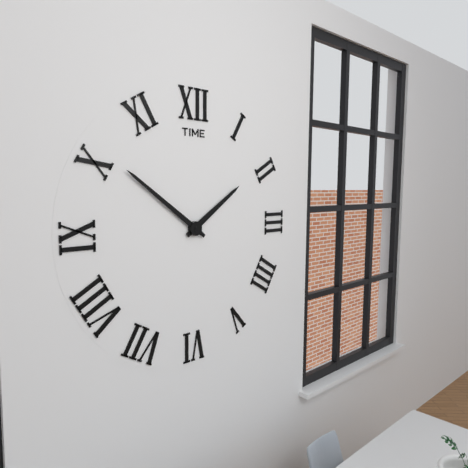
1 h 51 min
